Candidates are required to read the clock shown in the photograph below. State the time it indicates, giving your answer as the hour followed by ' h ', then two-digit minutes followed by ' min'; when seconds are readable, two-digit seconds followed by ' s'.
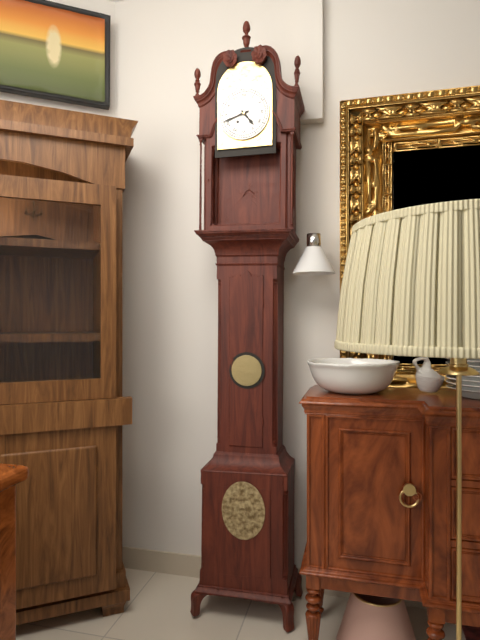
4 h 42 min
